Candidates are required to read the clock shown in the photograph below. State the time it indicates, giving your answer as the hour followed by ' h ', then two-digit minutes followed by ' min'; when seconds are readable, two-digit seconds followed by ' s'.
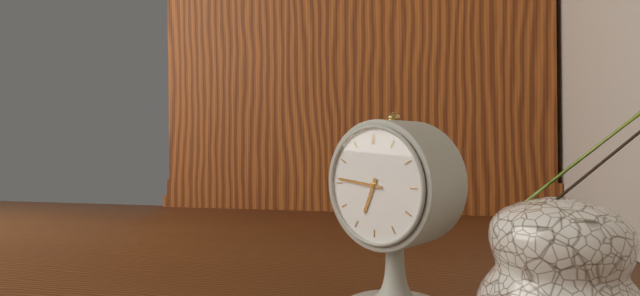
6 h 46 min
